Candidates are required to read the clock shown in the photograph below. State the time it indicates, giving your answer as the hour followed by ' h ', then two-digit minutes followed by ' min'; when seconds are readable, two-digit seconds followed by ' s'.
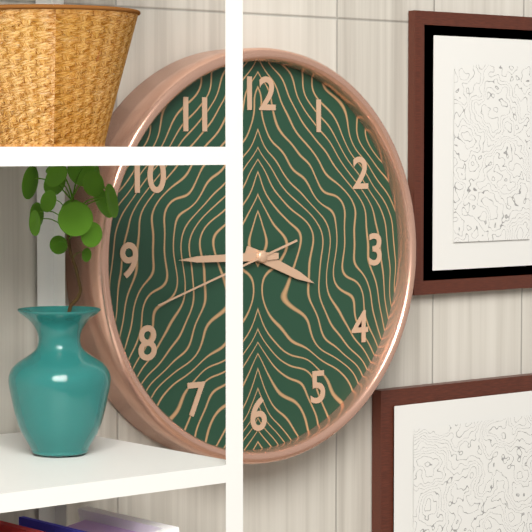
3 h 45 min 42 s
